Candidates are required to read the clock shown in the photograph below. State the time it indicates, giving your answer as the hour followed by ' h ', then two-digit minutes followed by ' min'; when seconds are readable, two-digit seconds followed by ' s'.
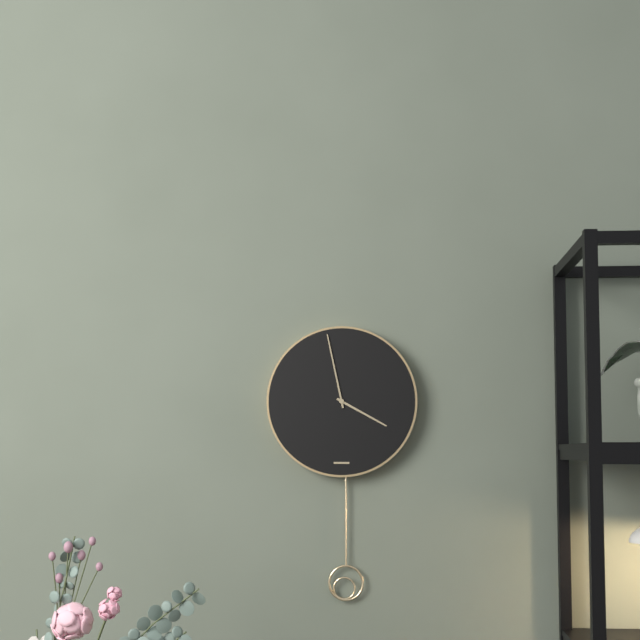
3 h 58 min
